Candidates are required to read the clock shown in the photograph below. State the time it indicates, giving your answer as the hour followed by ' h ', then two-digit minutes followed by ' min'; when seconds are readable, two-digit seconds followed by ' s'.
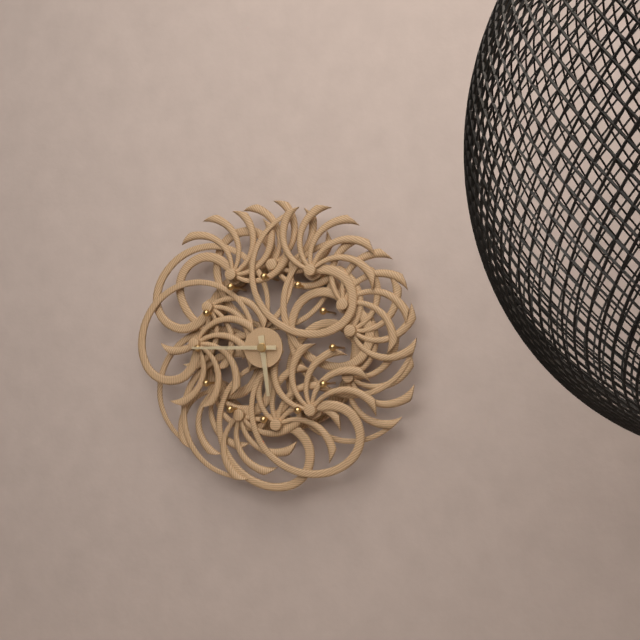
5 h 45 min
